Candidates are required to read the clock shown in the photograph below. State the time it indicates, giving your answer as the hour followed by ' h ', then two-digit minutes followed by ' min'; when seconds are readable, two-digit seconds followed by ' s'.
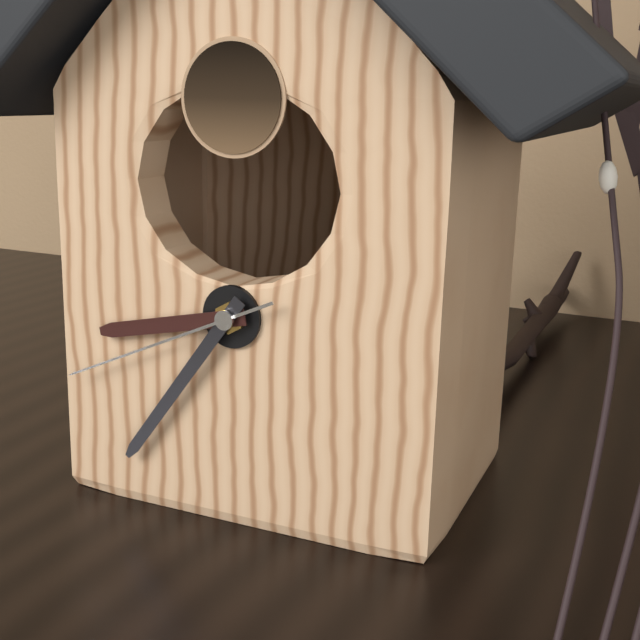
8 h 36 min 41 s
